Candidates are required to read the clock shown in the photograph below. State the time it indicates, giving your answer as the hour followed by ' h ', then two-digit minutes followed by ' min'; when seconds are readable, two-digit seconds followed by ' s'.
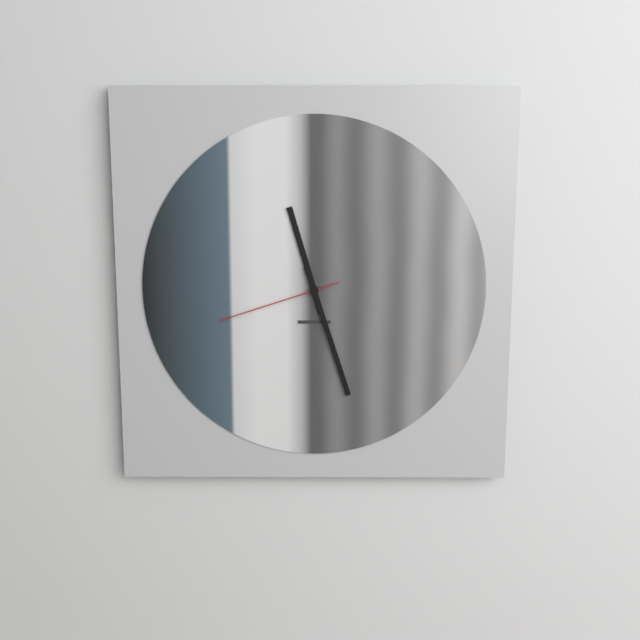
11 h 27 min 42 s
